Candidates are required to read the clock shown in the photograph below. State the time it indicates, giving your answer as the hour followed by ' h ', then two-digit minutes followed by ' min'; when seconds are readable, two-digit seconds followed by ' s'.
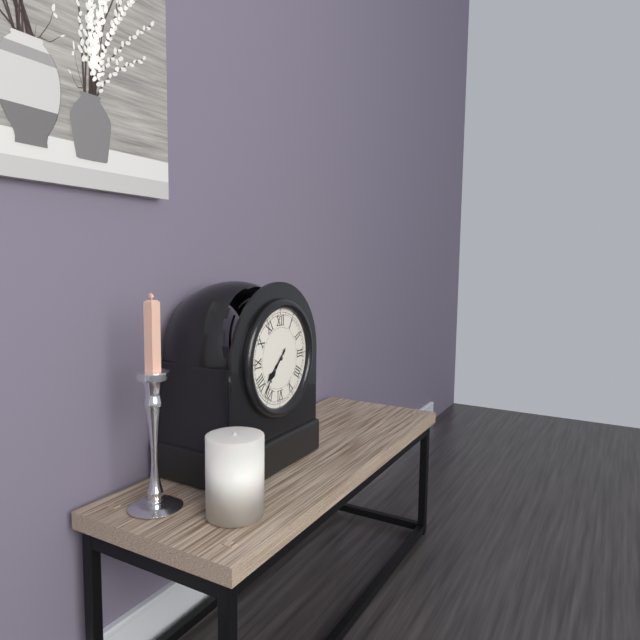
7 h 37 min
